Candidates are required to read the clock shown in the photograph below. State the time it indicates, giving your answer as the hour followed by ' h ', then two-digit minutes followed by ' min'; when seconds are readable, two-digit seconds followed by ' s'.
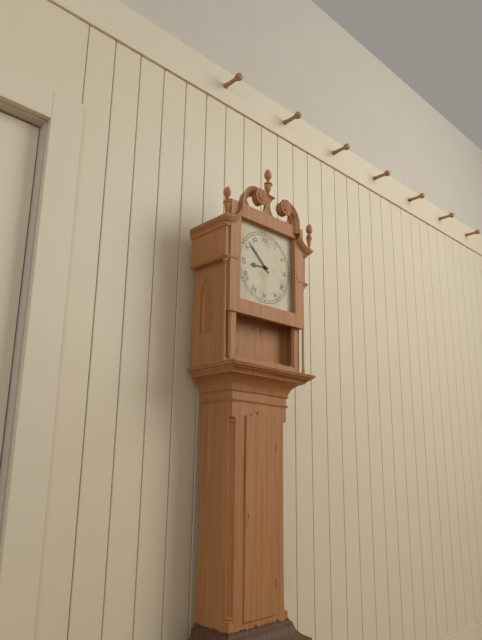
8 h 52 min
